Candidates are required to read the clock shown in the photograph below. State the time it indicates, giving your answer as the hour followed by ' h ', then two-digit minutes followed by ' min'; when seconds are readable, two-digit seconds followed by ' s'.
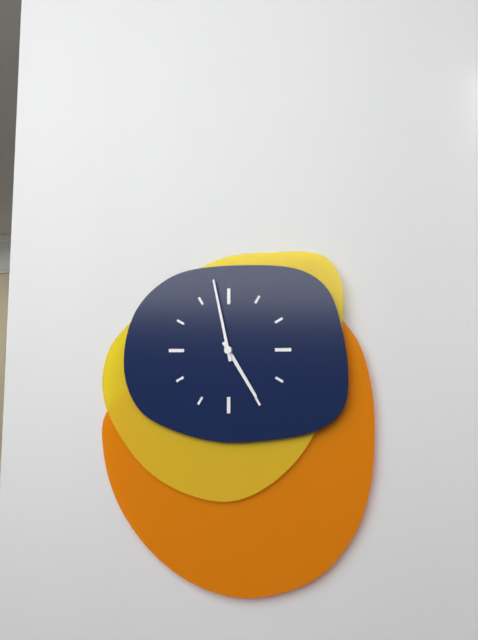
4 h 58 min
